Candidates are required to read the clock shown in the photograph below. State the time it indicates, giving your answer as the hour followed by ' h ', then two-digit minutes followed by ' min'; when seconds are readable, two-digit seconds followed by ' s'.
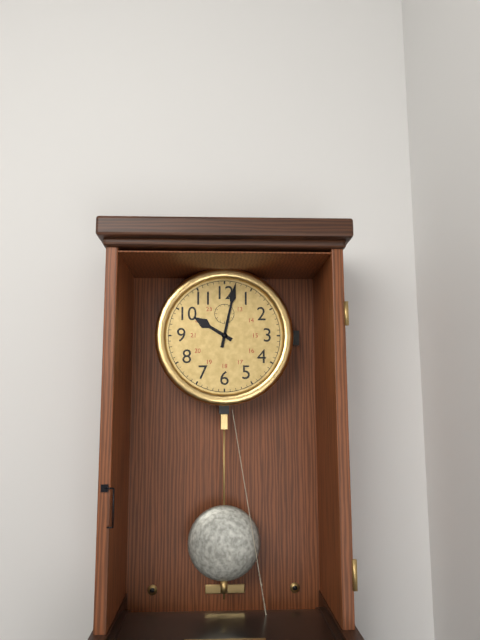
10 h 02 min
